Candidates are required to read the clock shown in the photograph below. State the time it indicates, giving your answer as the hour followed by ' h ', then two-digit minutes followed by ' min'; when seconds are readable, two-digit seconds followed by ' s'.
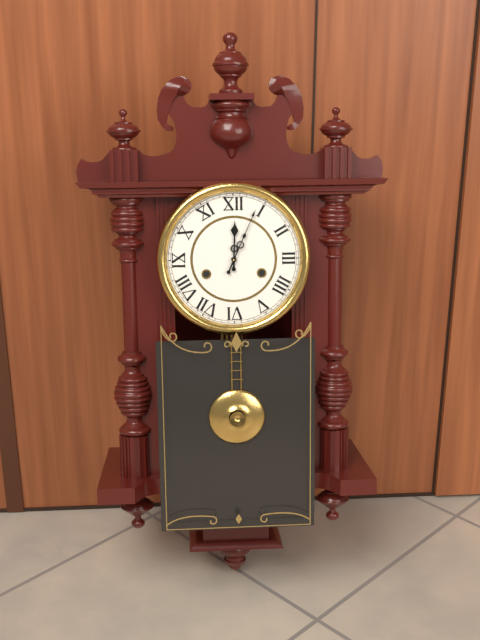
12 h 04 min
